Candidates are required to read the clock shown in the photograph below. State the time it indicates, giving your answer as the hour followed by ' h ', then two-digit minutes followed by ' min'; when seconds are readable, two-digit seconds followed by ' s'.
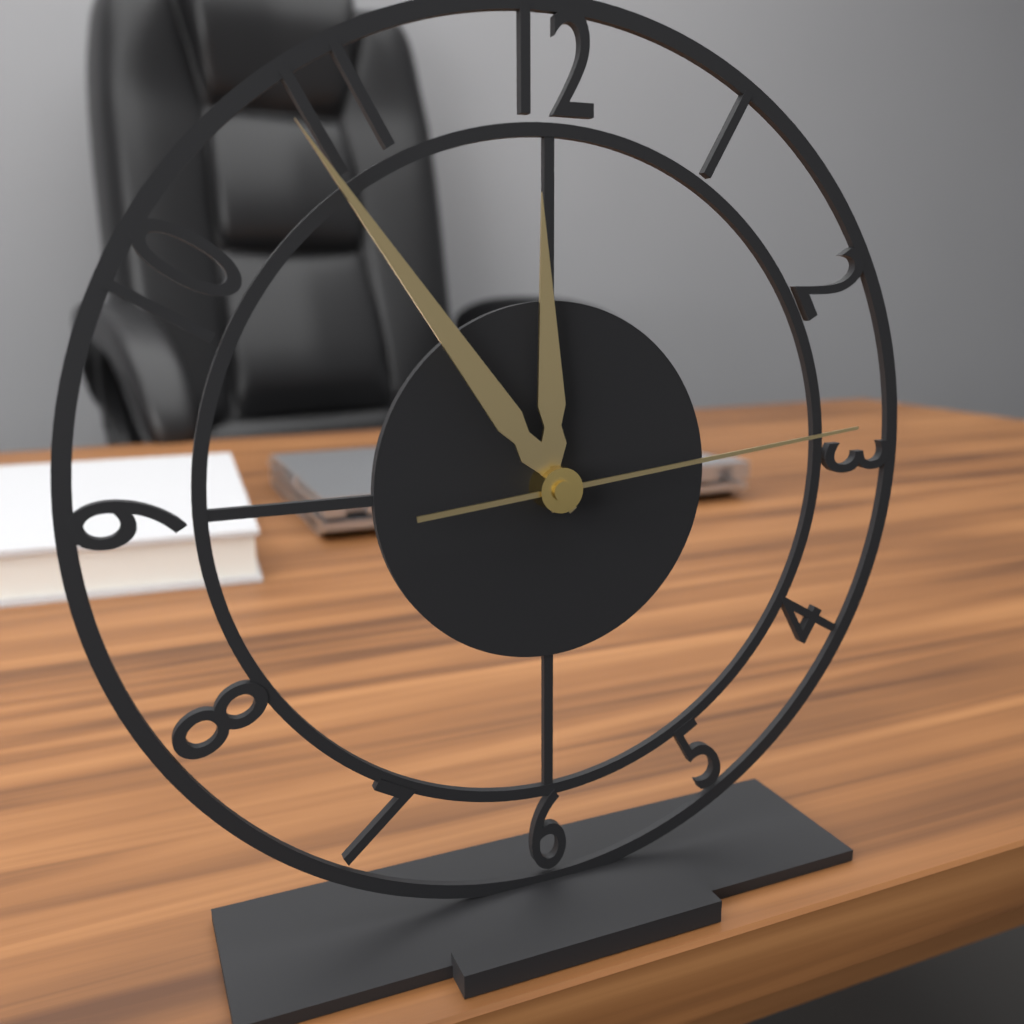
11 h 54 min 14 s
